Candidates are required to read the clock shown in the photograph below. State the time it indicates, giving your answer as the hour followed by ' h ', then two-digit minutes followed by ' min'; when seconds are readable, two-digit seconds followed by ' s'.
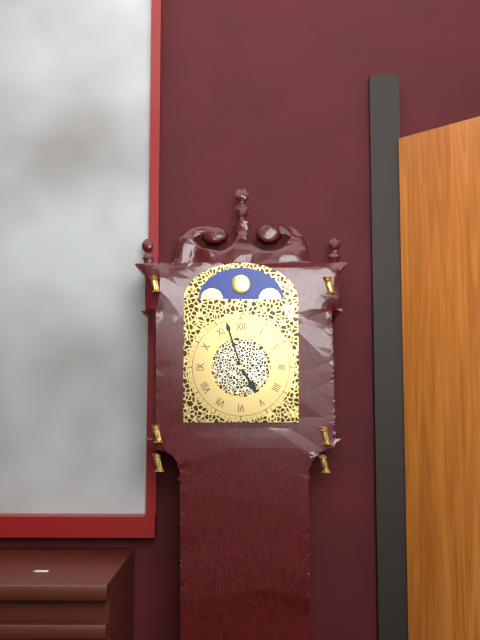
4 h 57 min
